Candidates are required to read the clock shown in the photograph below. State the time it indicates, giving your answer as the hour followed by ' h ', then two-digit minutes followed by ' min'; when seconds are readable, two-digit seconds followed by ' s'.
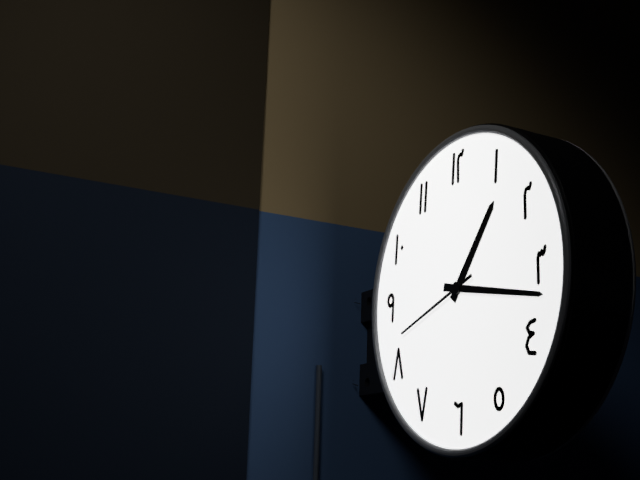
1 h 17 min 42 s
